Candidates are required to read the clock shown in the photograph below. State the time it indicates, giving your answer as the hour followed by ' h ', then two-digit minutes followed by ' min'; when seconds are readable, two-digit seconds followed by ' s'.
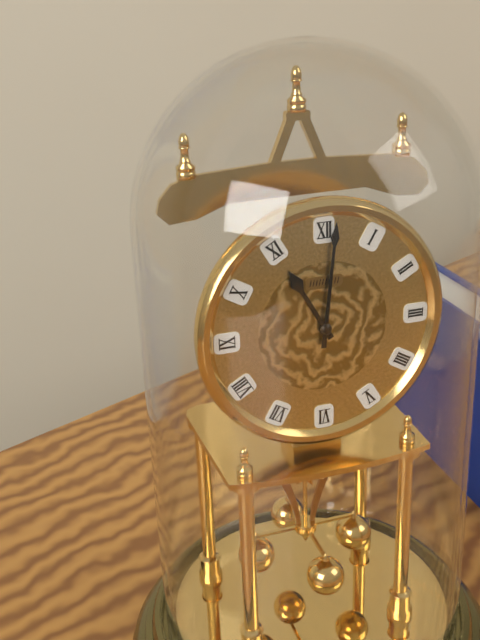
11 h 01 min
